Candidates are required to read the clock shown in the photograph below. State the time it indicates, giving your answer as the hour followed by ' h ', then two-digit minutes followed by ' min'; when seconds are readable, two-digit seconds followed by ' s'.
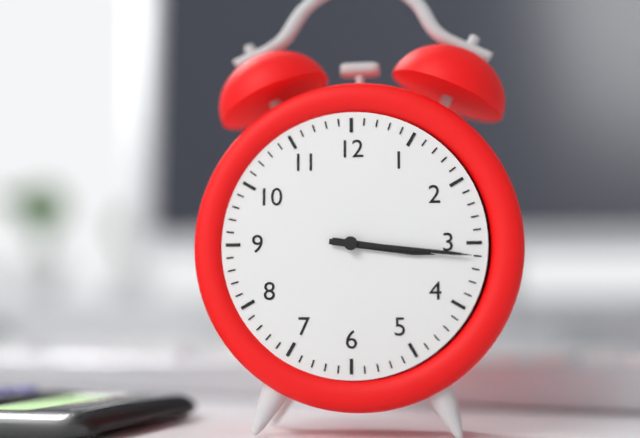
3 h 16 min
